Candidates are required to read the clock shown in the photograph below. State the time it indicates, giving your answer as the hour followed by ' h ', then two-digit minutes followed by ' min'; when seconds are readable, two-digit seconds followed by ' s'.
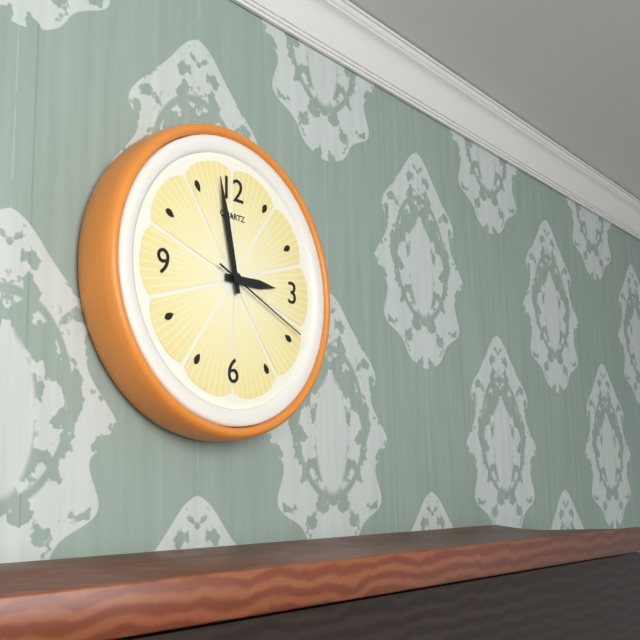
2 h 58 min 19 s
